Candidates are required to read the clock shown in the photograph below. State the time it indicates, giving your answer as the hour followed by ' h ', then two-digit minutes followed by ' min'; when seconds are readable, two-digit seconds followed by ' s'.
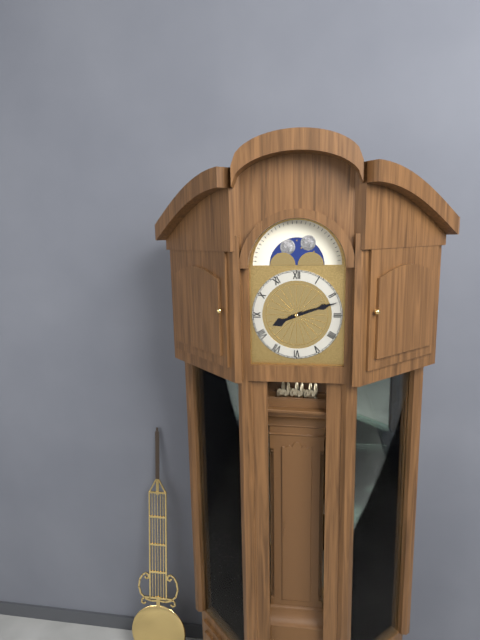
8 h 12 min
